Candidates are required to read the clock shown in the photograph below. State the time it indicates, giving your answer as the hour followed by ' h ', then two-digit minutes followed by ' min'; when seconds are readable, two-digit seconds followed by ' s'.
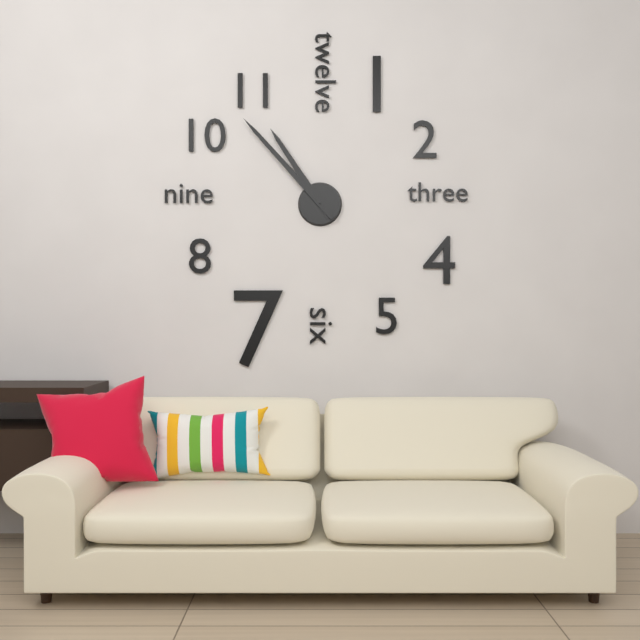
10 h 53 min
